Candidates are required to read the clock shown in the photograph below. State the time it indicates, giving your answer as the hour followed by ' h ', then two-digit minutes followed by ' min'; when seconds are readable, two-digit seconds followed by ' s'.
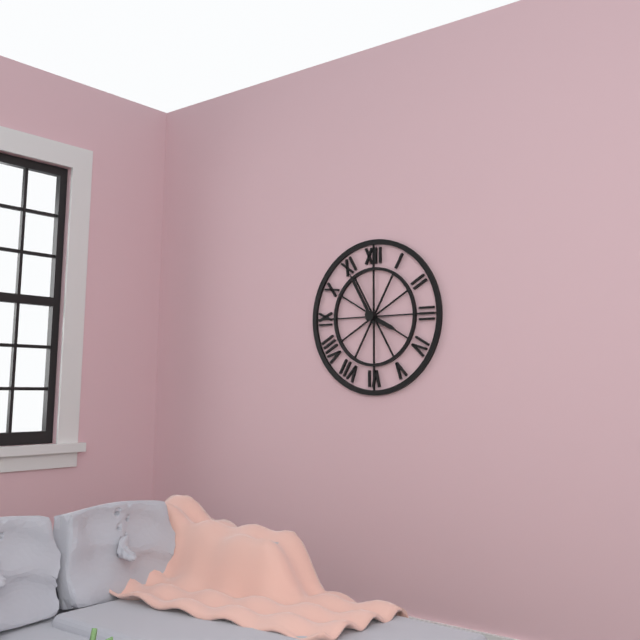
3 h 55 min
